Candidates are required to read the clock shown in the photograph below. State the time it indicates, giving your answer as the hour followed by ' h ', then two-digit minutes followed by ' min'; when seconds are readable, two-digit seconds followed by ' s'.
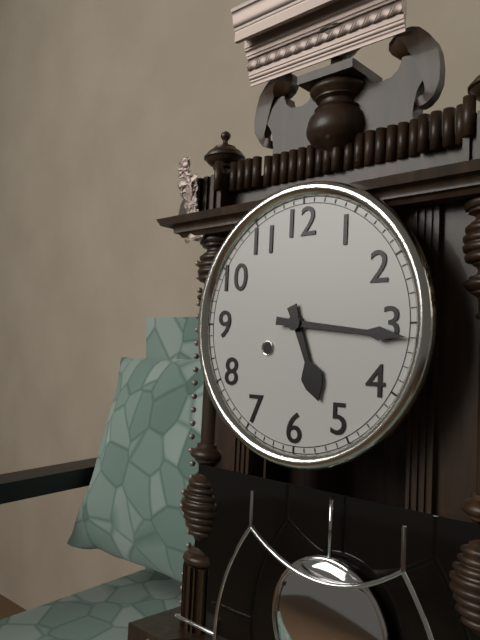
5 h 16 min
